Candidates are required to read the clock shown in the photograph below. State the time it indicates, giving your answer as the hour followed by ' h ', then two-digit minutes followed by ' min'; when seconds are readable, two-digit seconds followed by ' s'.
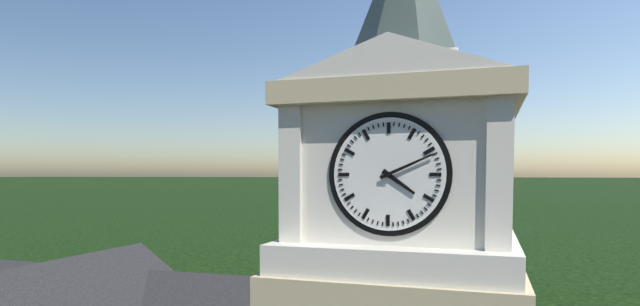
4 h 11 min
